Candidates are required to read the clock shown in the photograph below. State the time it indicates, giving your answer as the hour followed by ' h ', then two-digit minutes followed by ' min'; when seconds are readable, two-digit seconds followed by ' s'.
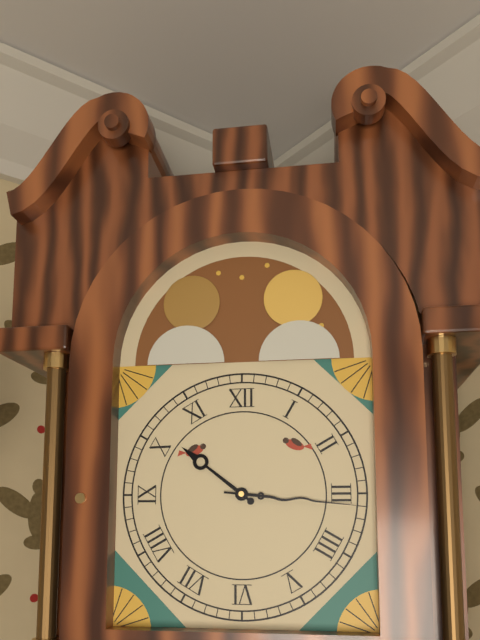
10 h 16 min
